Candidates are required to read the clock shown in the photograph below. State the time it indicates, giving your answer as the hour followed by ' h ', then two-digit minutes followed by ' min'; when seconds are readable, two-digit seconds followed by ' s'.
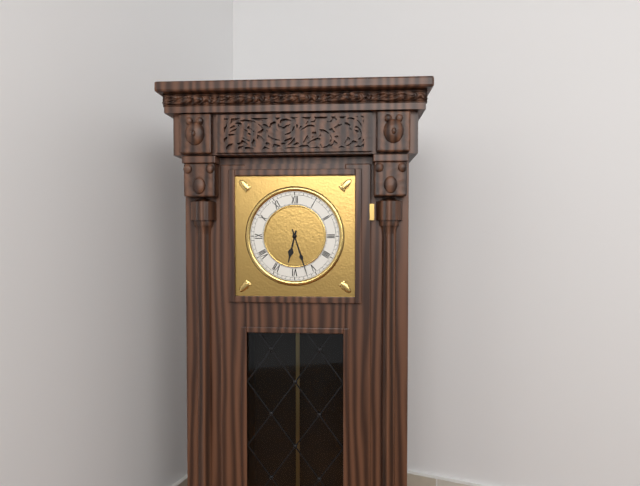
6 h 27 min
